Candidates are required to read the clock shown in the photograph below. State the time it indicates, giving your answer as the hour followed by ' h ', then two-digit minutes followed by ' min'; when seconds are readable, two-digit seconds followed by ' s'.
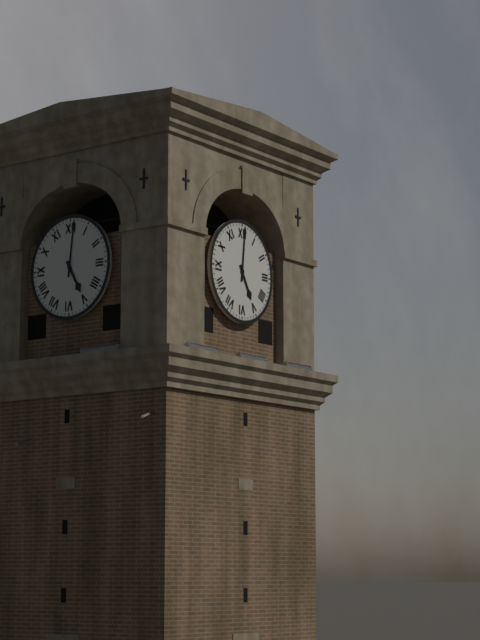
5 h 01 min
